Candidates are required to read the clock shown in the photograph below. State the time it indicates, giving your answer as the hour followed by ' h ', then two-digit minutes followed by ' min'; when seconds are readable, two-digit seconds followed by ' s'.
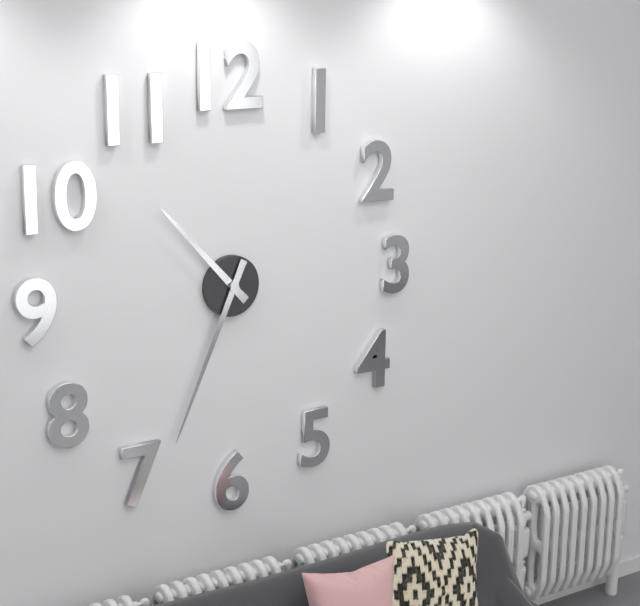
10 h 34 min
